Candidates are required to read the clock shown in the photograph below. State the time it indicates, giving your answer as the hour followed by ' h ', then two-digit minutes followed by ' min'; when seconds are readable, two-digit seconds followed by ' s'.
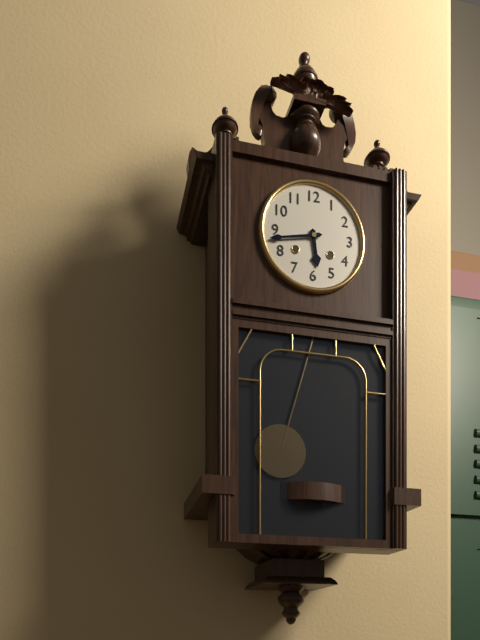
5 h 43 min
